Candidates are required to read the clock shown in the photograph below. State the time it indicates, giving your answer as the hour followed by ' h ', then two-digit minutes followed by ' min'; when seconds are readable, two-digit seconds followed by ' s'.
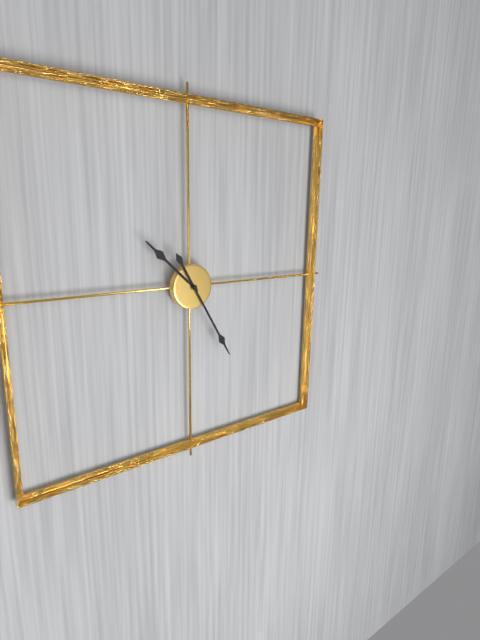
10 h 25 min
